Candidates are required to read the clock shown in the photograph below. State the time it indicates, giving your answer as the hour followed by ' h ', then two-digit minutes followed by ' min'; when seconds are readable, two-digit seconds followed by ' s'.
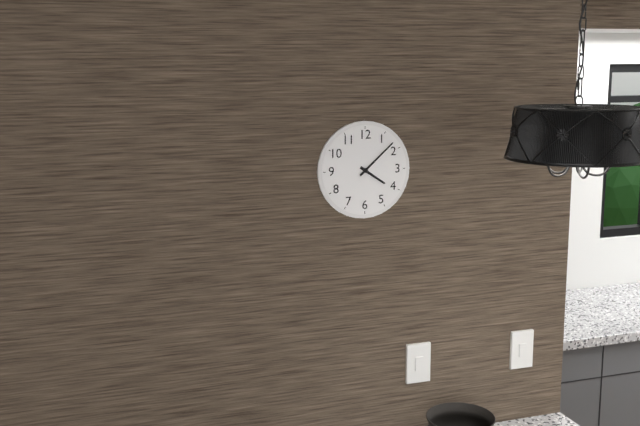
4 h 08 min
